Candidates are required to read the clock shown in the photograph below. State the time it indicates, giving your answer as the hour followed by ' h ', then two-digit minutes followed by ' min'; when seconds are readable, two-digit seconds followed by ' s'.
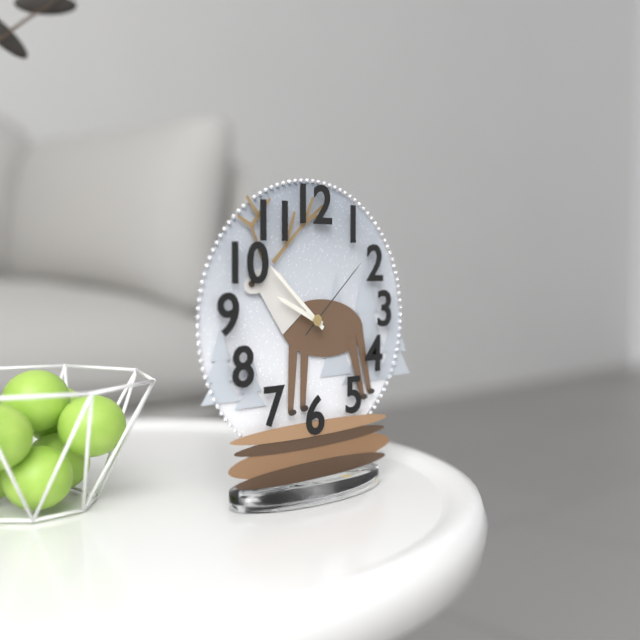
9 h 52 min 08 s
